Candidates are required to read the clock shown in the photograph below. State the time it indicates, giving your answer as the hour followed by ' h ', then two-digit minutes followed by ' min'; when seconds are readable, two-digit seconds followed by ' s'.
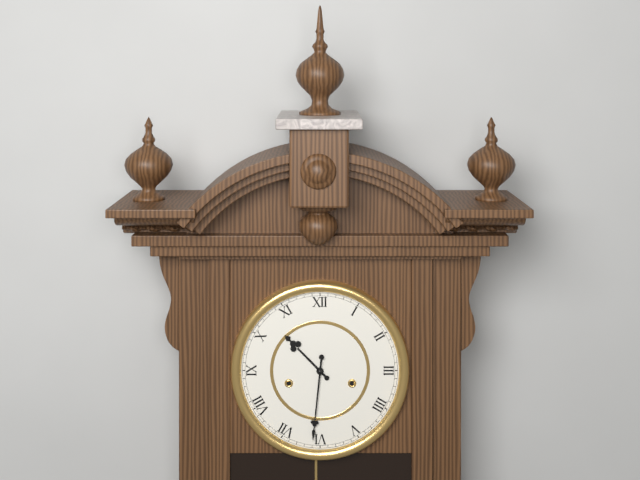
10 h 31 min
